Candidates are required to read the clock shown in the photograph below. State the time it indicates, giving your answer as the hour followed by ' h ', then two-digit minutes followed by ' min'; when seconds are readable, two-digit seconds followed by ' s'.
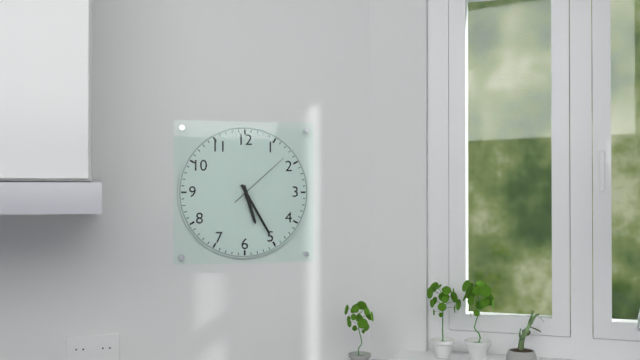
5 h 25 min 08 s
